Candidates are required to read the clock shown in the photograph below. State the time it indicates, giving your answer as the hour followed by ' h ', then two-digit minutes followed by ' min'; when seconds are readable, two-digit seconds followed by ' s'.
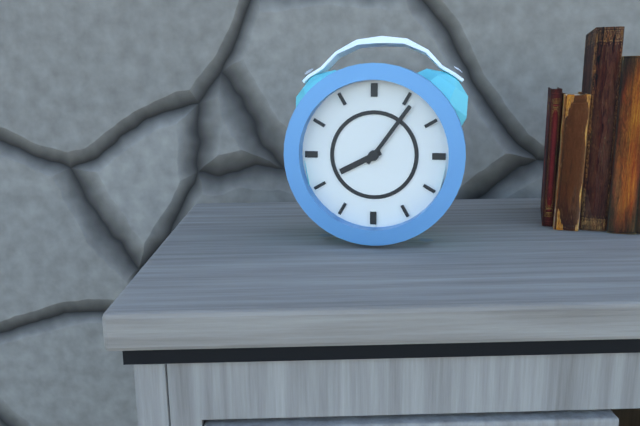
8 h 06 min
